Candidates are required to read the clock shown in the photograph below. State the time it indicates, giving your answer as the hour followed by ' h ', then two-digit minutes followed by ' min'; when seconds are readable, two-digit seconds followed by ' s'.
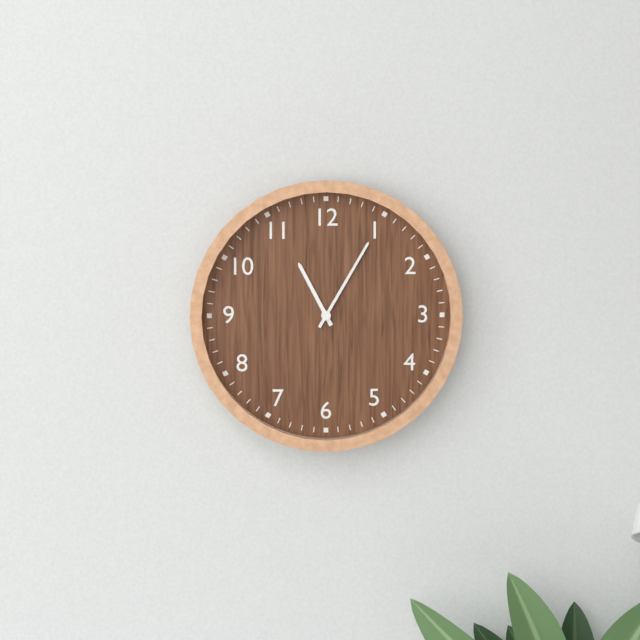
11 h 05 min
